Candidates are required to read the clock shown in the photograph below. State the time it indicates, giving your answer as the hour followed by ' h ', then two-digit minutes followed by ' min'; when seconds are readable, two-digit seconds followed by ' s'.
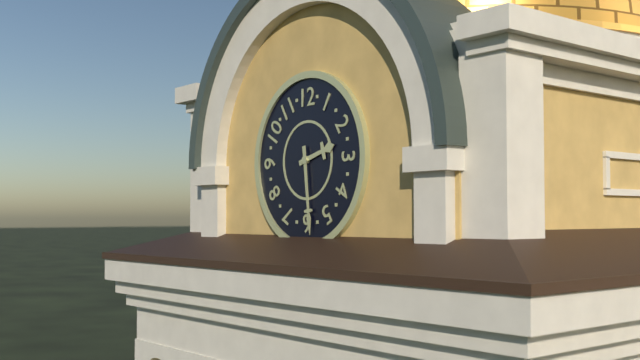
2 h 29 min
